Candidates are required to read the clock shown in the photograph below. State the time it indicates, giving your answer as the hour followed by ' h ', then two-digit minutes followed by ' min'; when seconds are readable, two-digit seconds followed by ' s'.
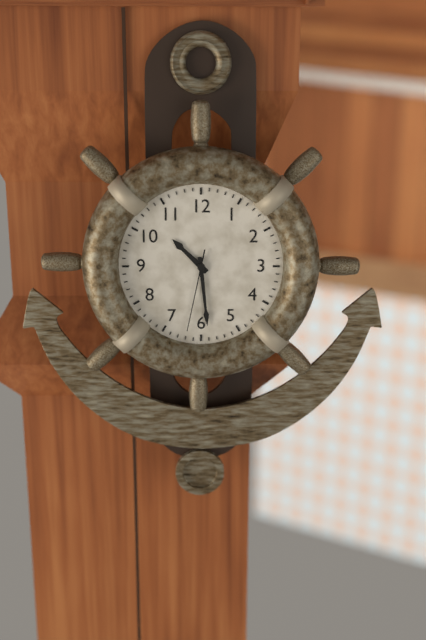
10 h 29 min 32 s
